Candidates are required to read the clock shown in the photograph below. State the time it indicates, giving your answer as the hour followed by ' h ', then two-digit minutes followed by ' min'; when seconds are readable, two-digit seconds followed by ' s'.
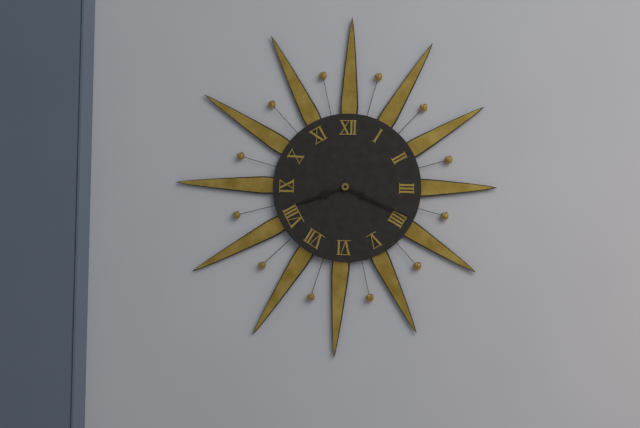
8 h 19 min
